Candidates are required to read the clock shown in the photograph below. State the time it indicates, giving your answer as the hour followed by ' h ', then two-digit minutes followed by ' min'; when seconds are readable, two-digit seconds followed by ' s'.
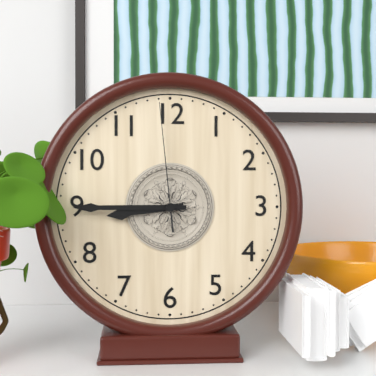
8 h 45 min 59 s
